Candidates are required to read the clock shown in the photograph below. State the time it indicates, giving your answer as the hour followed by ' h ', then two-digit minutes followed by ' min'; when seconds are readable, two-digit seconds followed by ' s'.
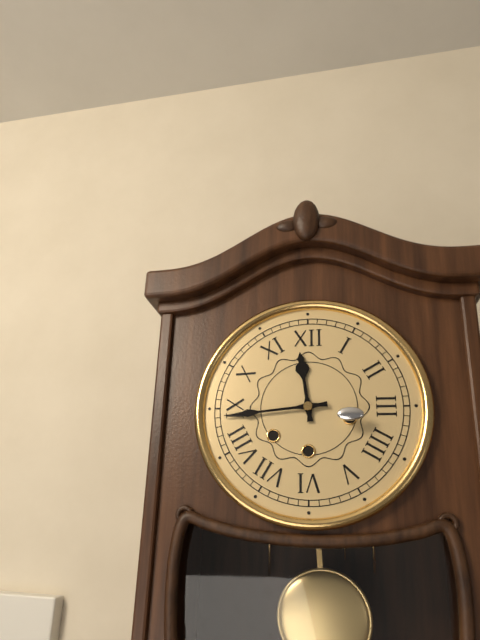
11 h 44 min
